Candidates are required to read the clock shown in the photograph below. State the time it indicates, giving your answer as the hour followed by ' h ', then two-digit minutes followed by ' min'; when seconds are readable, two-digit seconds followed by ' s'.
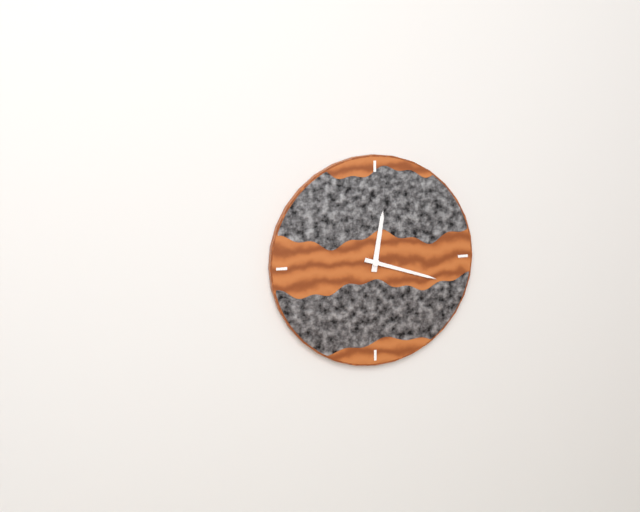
12 h 18 min
